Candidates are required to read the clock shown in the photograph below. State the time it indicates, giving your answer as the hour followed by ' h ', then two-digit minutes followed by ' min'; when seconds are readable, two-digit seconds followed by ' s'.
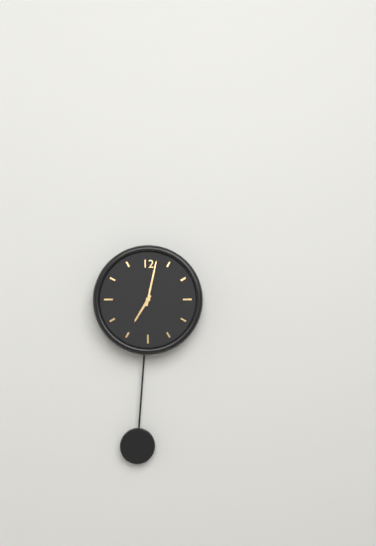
7 h 02 min
